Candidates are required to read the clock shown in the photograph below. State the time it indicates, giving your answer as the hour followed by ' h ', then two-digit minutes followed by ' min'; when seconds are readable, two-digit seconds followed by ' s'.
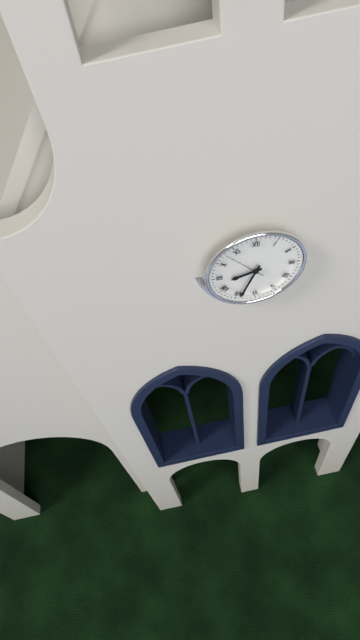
8 h 34 min
